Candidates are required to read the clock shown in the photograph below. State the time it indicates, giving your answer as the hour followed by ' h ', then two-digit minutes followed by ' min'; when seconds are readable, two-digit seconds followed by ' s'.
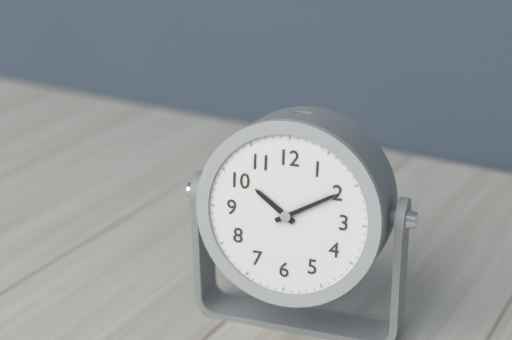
10 h 10 min
